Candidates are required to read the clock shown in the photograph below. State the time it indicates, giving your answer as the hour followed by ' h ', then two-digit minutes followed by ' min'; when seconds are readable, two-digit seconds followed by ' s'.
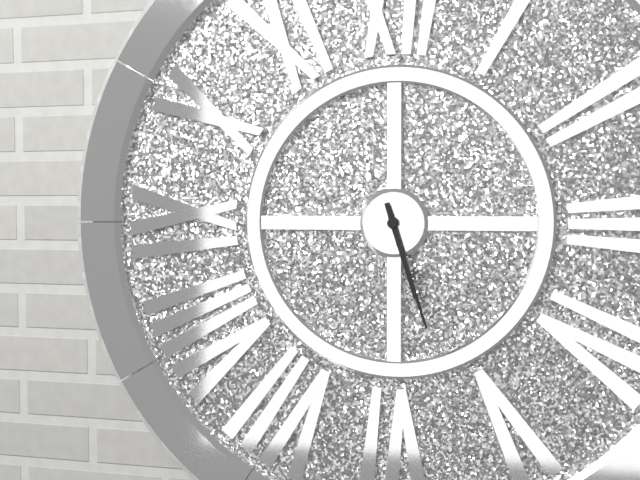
5 h 27 min
